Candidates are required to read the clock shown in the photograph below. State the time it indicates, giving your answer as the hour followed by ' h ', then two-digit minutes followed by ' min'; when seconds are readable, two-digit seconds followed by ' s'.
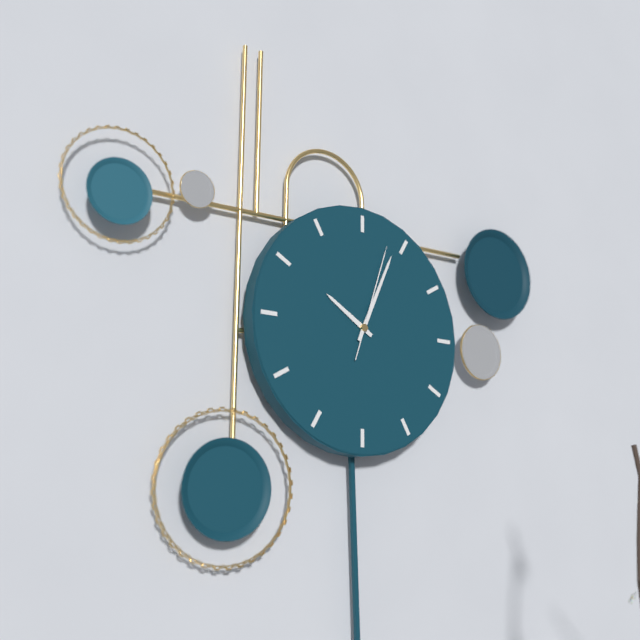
10 h 04 min 03 s
